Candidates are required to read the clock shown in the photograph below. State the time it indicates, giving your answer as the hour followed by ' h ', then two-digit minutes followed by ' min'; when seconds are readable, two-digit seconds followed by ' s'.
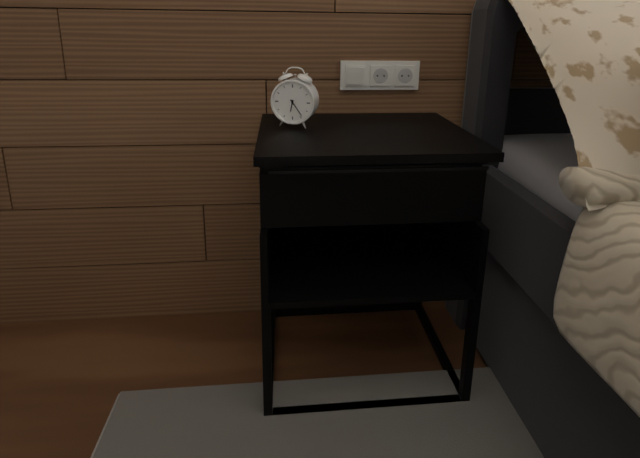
6 h 24 min
